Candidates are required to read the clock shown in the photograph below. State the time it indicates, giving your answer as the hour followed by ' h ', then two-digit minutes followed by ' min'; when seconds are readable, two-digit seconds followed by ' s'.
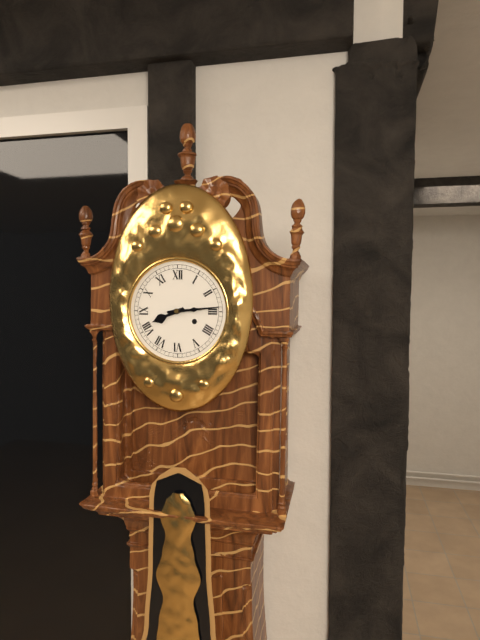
8 h 14 min
